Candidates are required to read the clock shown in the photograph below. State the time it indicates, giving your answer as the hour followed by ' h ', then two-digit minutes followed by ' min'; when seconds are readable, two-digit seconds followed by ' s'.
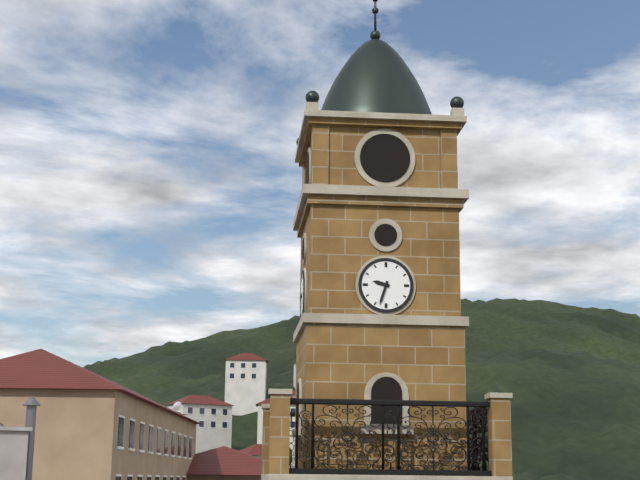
9 h 33 min
